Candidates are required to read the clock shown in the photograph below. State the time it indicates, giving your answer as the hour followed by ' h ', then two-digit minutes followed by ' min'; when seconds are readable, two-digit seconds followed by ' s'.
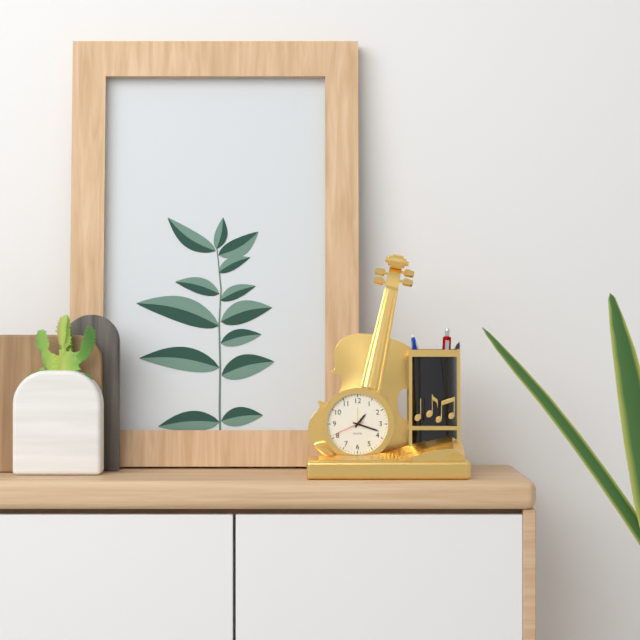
1 h 18 min
